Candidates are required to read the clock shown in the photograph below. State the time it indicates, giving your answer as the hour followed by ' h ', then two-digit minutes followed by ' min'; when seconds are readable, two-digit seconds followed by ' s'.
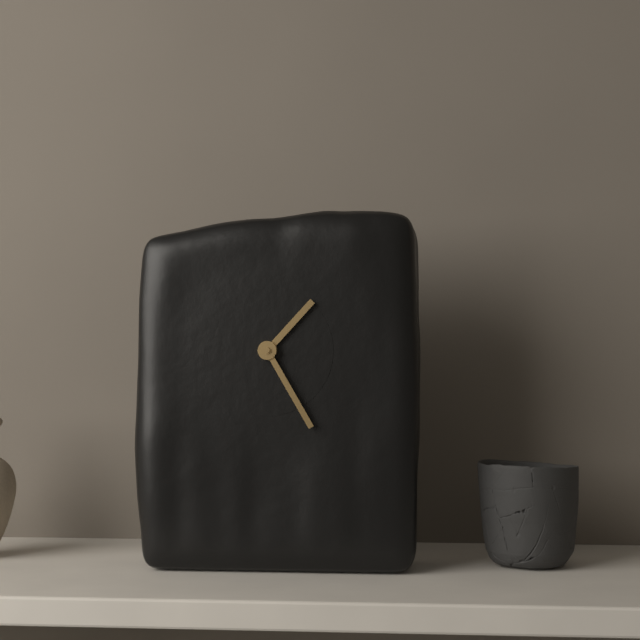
1 h 25 min
